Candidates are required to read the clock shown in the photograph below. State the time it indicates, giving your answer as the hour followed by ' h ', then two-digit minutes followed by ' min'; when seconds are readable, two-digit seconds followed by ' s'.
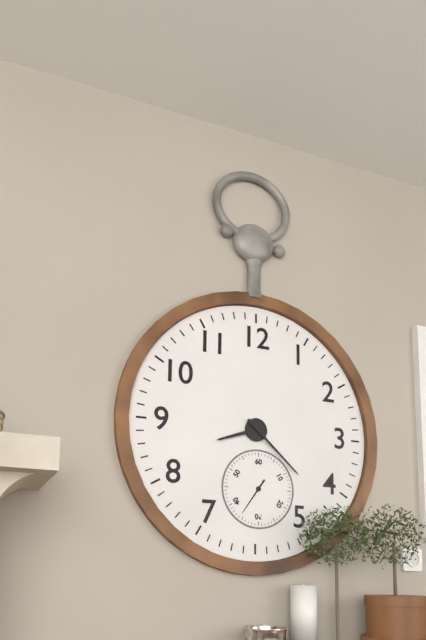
8 h 22 min
